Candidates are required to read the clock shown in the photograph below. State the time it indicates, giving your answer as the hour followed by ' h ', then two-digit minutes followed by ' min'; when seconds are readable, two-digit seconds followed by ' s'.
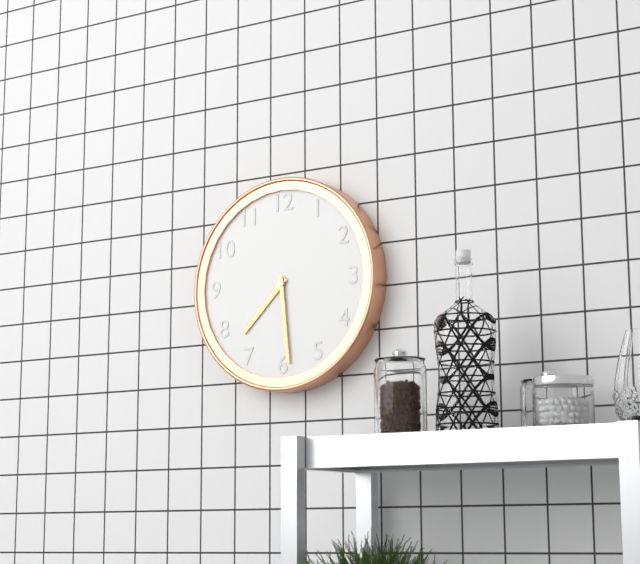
7 h 29 min
